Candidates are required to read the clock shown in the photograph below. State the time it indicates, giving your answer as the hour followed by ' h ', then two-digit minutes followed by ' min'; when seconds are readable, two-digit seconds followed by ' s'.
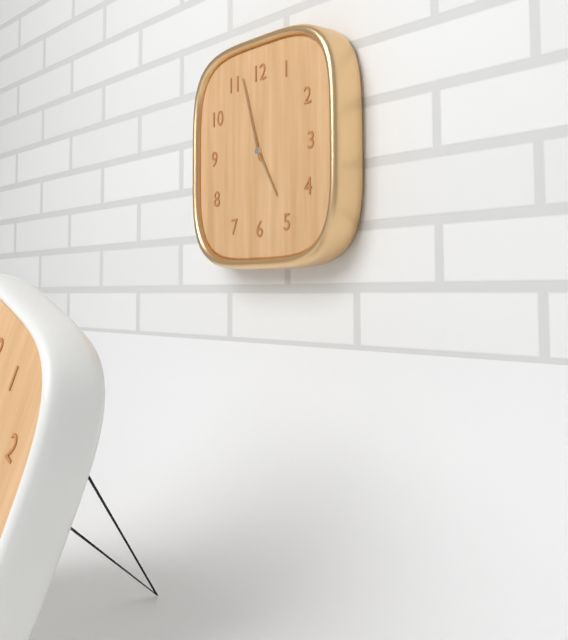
4 h 57 min
